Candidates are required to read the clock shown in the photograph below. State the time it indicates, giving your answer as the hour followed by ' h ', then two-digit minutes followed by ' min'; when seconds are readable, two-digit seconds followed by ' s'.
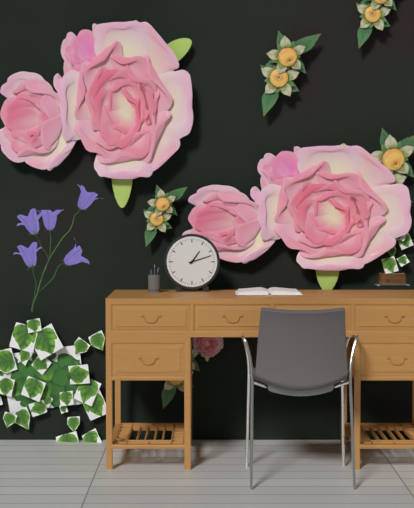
1 h 12 min
